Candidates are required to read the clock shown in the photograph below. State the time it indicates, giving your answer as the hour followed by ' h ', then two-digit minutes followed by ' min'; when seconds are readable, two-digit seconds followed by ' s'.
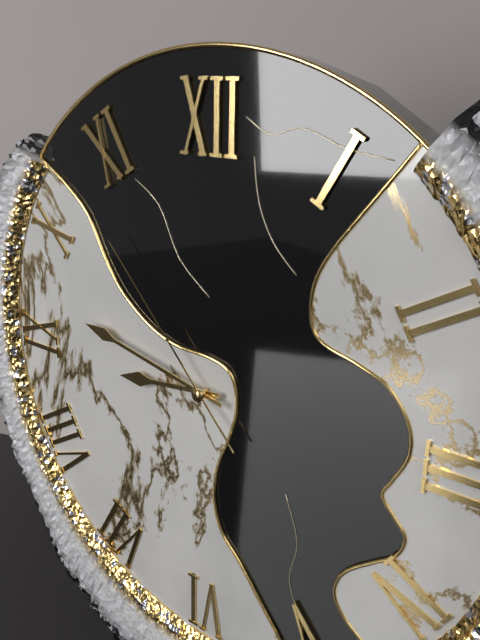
8 h 47 min 53 s
